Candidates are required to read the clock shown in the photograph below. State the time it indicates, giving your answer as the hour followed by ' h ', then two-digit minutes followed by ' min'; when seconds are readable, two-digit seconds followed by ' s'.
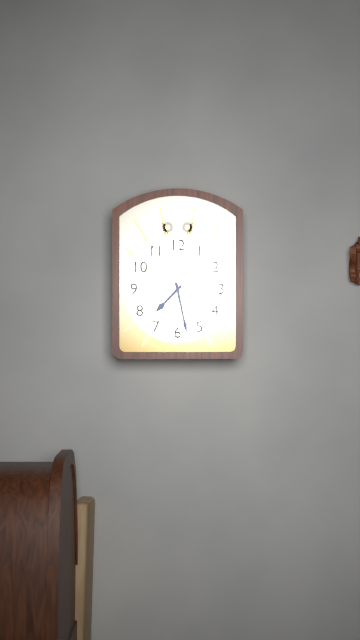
7 h 28 min
